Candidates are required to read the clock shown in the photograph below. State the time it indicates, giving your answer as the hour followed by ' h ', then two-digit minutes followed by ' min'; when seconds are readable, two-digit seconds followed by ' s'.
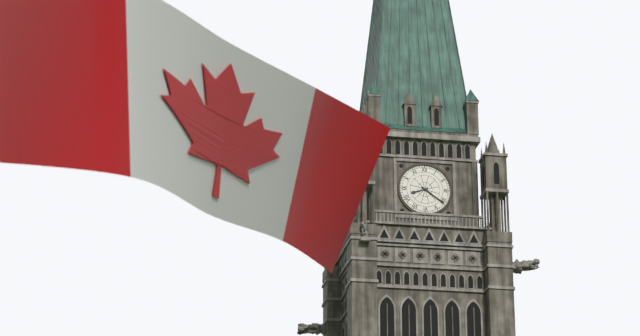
8 h 21 min
